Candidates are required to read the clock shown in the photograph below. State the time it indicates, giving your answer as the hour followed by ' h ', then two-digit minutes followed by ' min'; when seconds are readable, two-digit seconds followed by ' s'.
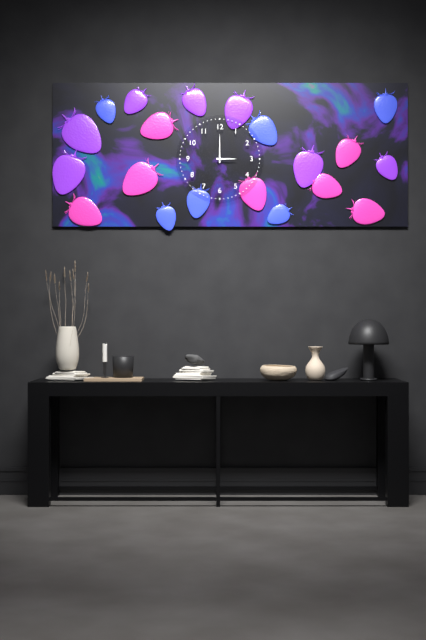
3 h 00 min
